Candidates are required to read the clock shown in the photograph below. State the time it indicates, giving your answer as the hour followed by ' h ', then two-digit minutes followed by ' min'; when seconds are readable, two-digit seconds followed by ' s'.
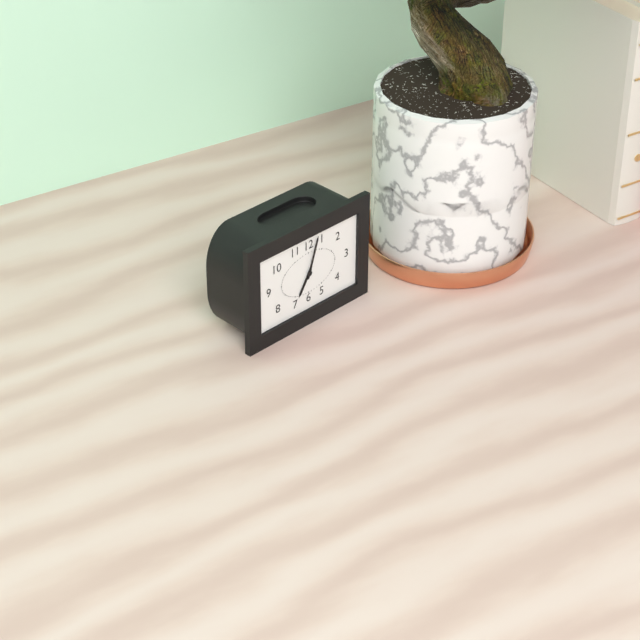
7 h 03 min
